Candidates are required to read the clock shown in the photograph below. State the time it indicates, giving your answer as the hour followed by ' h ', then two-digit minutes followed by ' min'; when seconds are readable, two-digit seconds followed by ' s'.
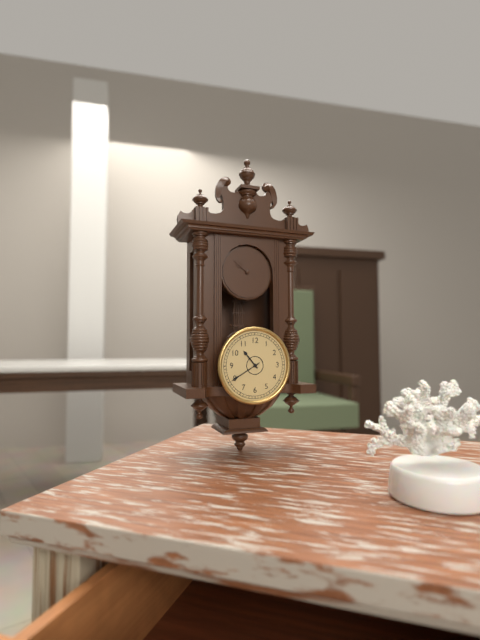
10 h 40 min
